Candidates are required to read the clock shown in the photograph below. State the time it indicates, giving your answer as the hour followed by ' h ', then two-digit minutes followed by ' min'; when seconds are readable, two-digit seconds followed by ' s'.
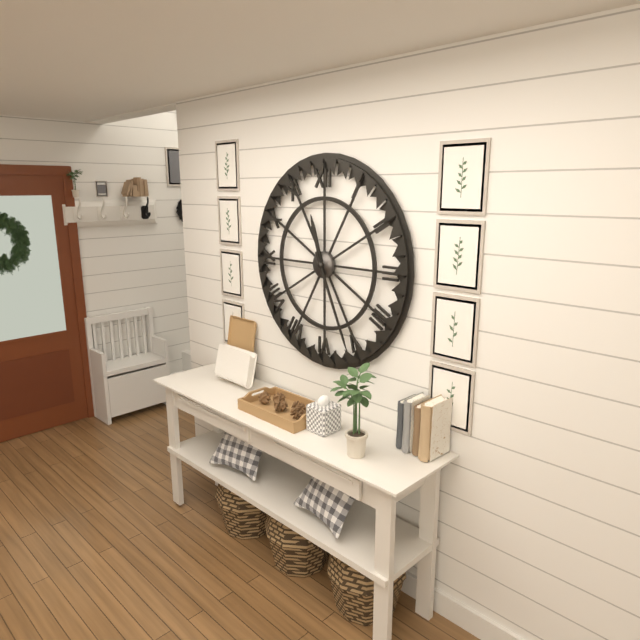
11 h 26 min
